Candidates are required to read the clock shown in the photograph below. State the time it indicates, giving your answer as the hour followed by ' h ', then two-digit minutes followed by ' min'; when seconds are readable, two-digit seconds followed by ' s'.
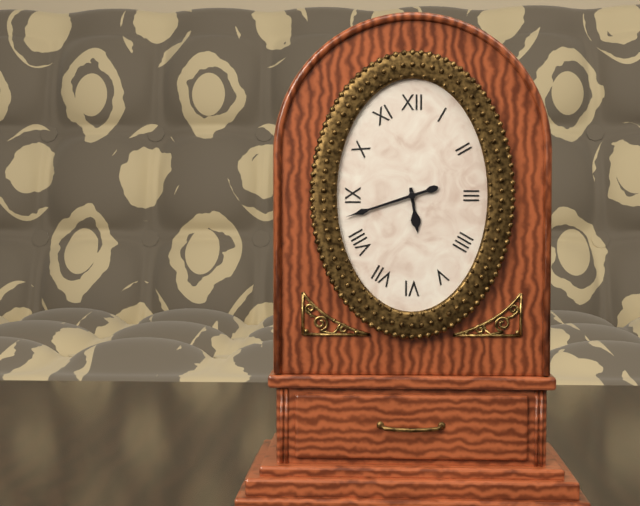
5 h 42 min
